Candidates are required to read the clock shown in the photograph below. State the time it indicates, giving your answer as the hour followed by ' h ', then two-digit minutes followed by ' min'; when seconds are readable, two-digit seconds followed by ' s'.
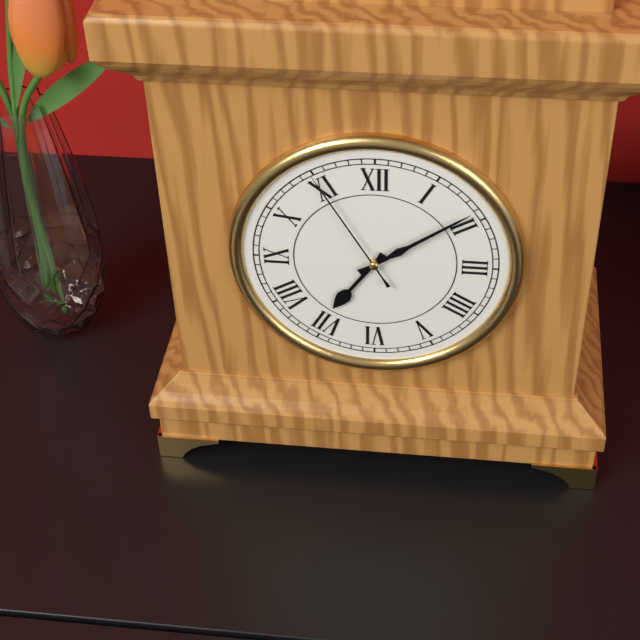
7 h 09 min 55 s
